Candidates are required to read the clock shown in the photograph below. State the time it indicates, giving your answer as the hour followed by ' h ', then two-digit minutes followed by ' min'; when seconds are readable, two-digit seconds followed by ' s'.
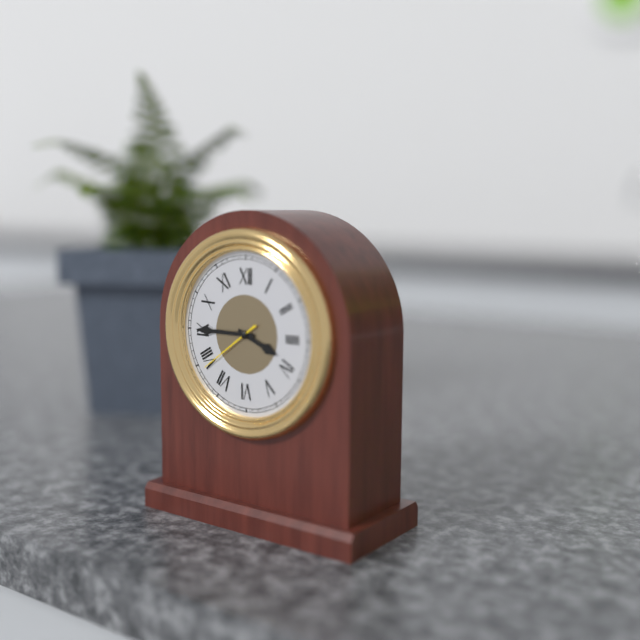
3 h 45 min 39 s
